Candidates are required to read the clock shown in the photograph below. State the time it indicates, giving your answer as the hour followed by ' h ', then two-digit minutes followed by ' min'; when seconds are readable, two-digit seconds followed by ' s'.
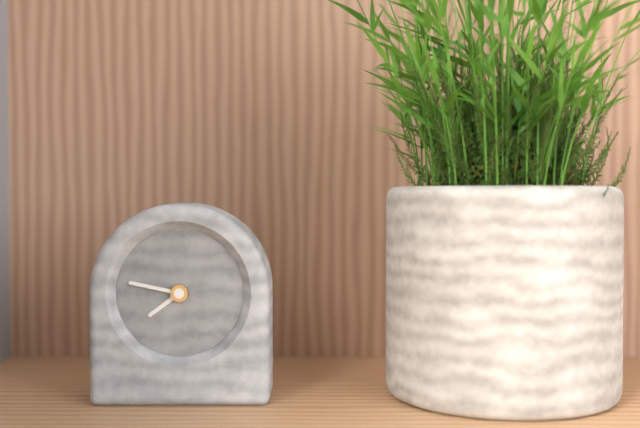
7 h 47 min
